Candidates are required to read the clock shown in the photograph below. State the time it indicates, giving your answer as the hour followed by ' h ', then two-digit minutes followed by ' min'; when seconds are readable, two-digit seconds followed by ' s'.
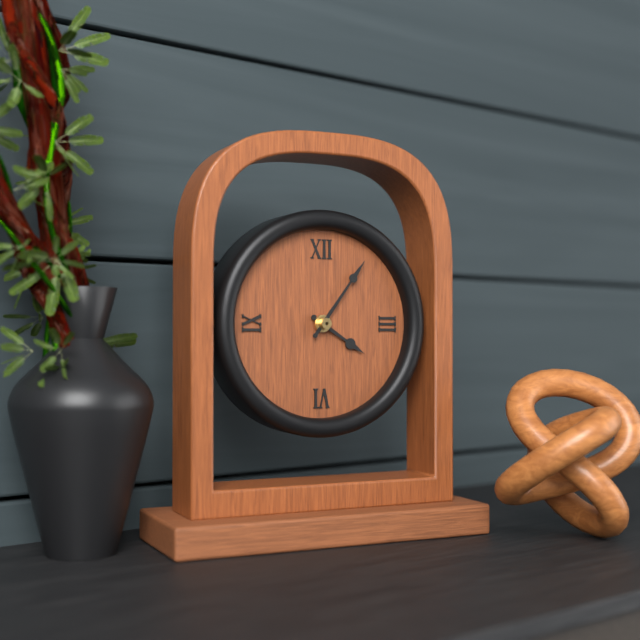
4 h 06 min
